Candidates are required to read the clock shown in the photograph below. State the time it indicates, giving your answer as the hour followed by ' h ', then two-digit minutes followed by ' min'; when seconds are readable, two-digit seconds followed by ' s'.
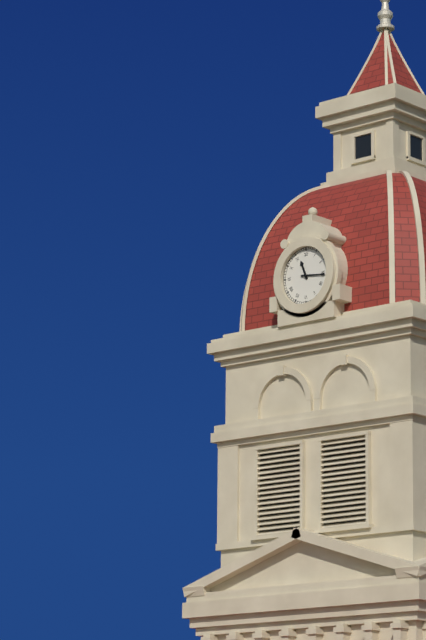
11 h 16 min
